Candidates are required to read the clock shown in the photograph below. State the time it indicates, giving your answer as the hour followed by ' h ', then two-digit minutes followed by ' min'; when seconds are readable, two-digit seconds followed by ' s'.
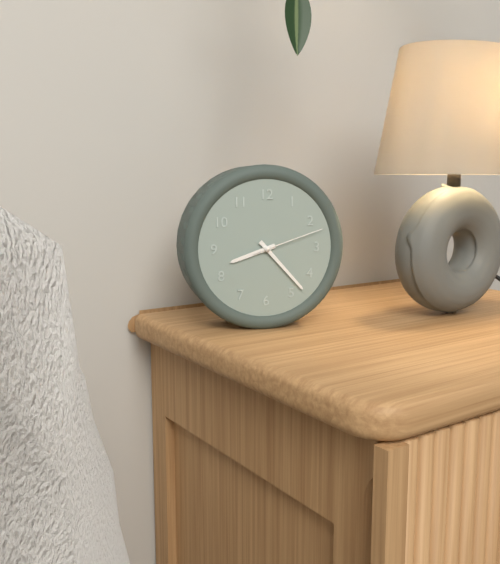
8 h 23 min 12 s
